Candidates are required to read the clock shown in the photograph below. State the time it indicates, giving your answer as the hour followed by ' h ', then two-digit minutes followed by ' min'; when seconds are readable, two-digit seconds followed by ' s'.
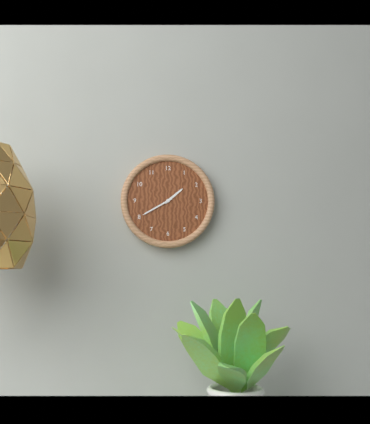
1 h 40 min
